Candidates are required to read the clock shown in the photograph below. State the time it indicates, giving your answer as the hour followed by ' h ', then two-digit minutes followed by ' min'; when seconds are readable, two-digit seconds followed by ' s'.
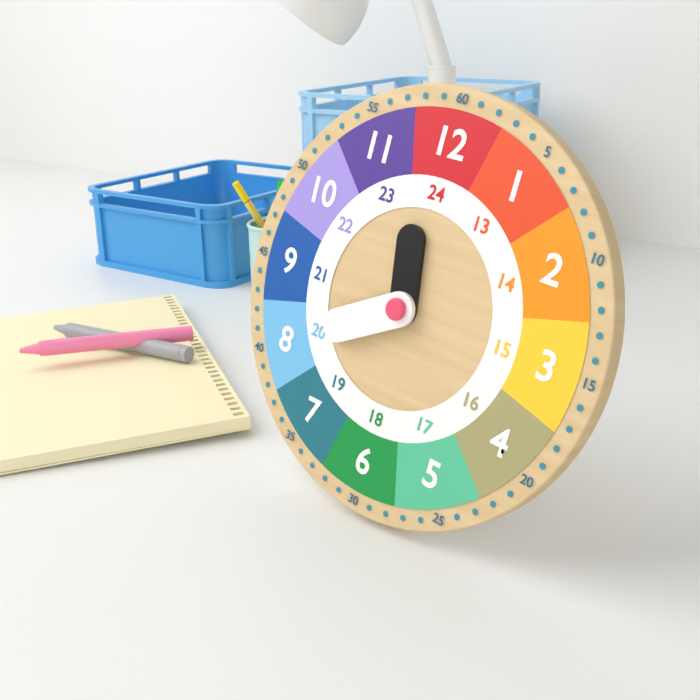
11 h 40 min
